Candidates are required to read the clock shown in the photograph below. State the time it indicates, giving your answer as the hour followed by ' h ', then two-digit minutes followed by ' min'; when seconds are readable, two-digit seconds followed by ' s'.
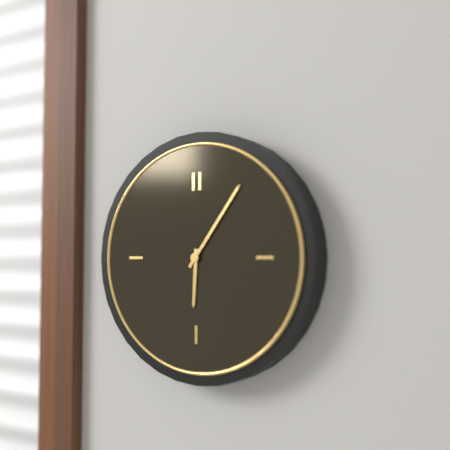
6 h 06 min
